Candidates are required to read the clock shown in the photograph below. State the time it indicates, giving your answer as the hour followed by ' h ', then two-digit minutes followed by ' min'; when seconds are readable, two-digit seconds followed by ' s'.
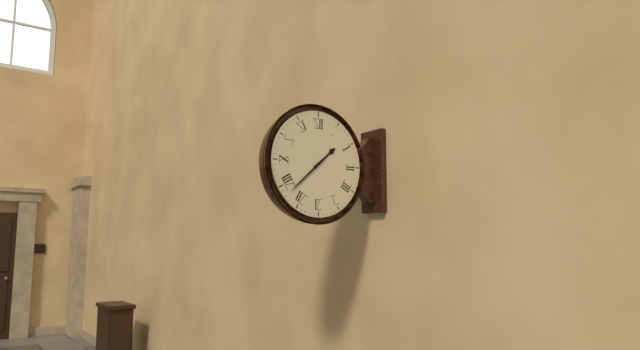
1 h 38 min
